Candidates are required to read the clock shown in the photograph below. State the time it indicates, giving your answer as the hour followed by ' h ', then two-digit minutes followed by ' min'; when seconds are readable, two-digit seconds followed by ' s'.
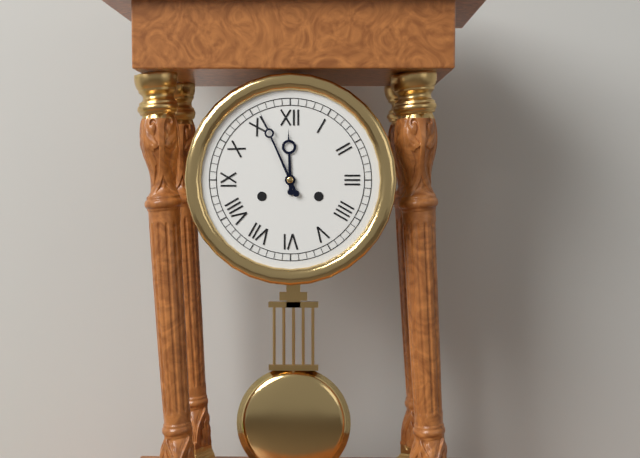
11 h 56 min
